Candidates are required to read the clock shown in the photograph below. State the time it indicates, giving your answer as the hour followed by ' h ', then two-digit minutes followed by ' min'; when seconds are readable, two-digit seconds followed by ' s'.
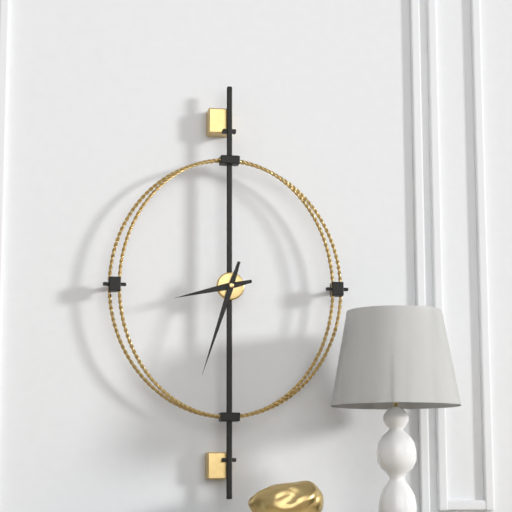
8 h 33 min
